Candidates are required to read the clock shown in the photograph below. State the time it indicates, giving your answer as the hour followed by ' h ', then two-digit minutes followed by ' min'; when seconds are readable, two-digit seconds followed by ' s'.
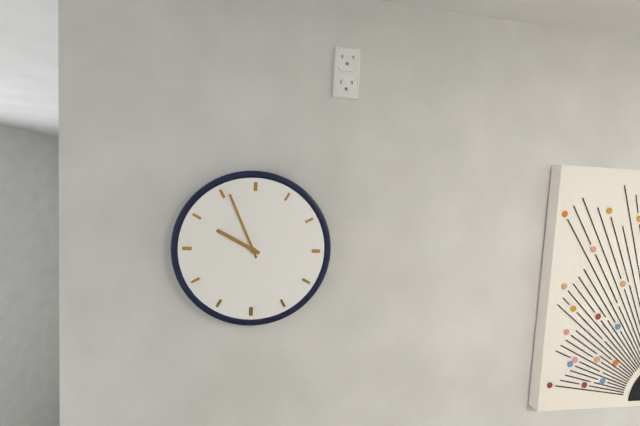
9 h 56 min
